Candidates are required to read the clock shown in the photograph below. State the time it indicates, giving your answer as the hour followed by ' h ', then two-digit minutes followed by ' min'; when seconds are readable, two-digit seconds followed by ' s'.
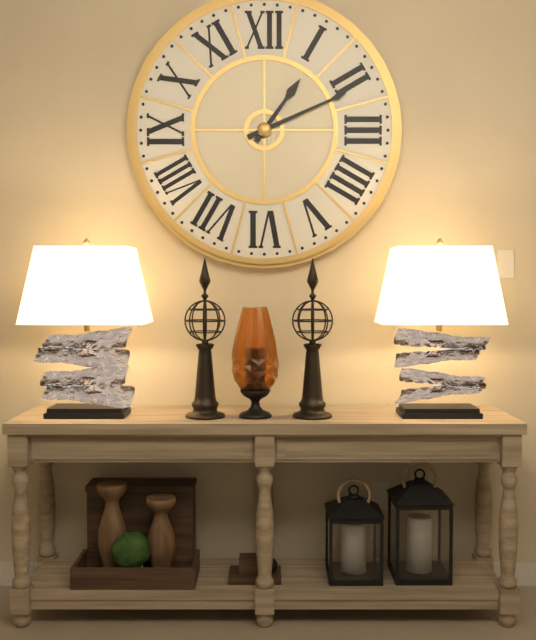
1 h 11 min
